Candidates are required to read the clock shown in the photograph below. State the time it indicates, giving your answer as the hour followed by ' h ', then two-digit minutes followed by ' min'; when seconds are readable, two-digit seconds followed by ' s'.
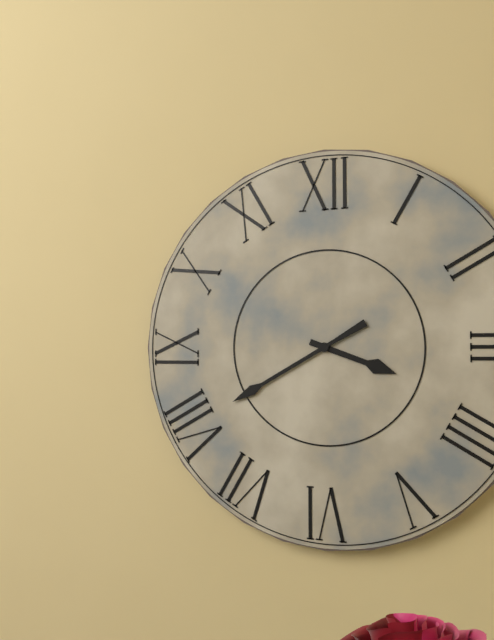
3 h 40 min
